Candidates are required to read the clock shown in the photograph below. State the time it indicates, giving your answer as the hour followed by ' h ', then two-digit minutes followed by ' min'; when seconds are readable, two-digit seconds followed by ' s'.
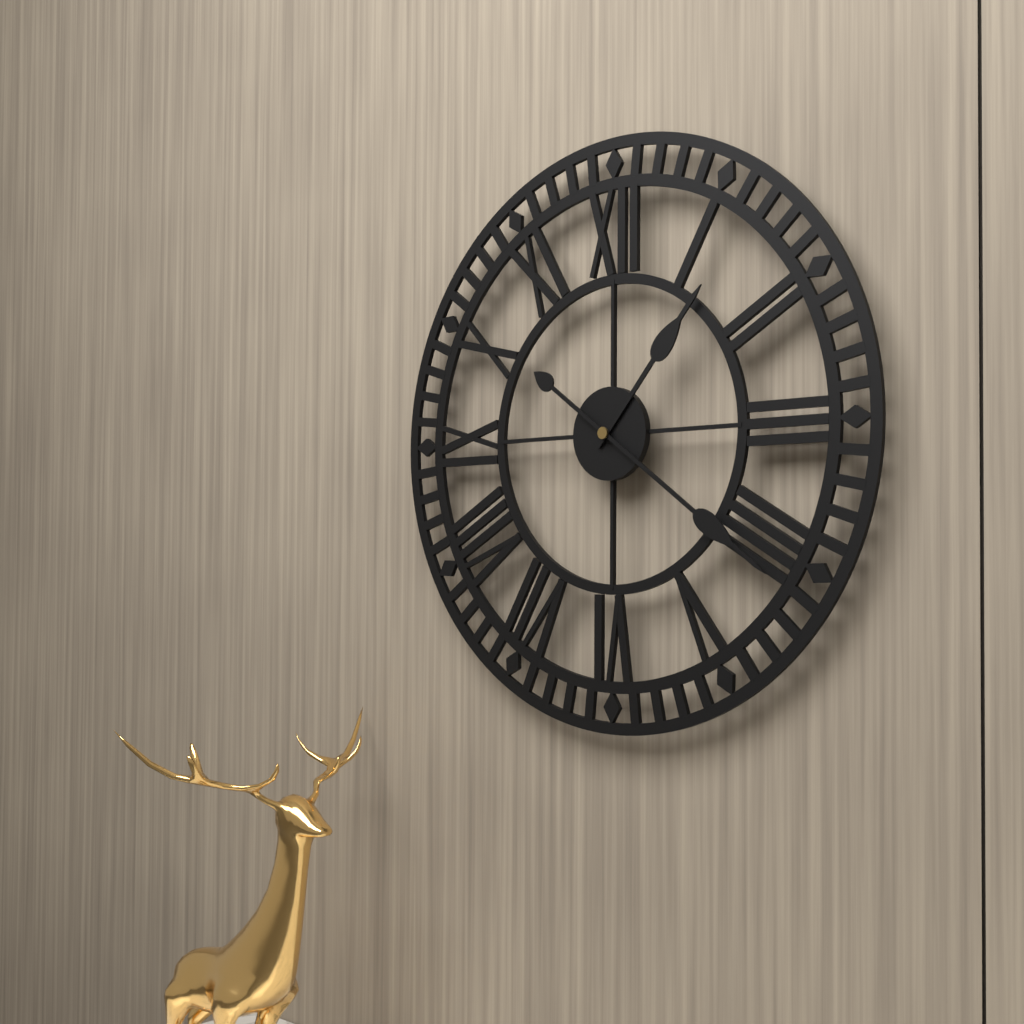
1 h 21 min
